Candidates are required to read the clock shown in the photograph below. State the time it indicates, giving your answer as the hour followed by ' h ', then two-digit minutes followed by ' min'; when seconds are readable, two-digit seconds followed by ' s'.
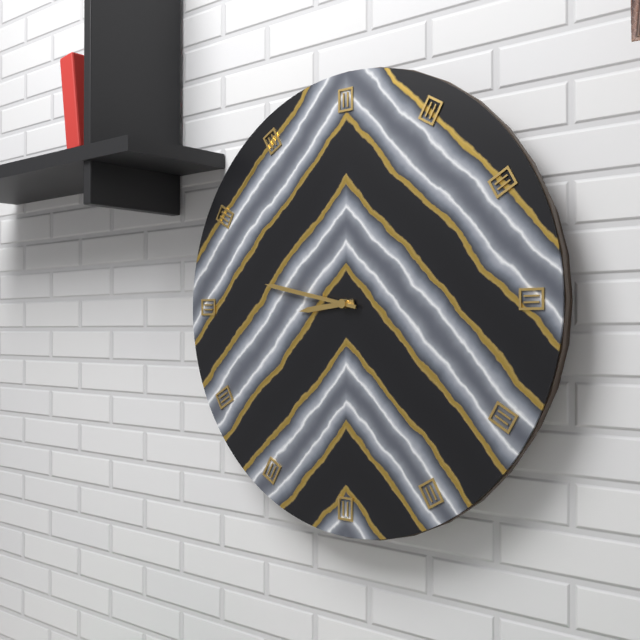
8 h 47 min
